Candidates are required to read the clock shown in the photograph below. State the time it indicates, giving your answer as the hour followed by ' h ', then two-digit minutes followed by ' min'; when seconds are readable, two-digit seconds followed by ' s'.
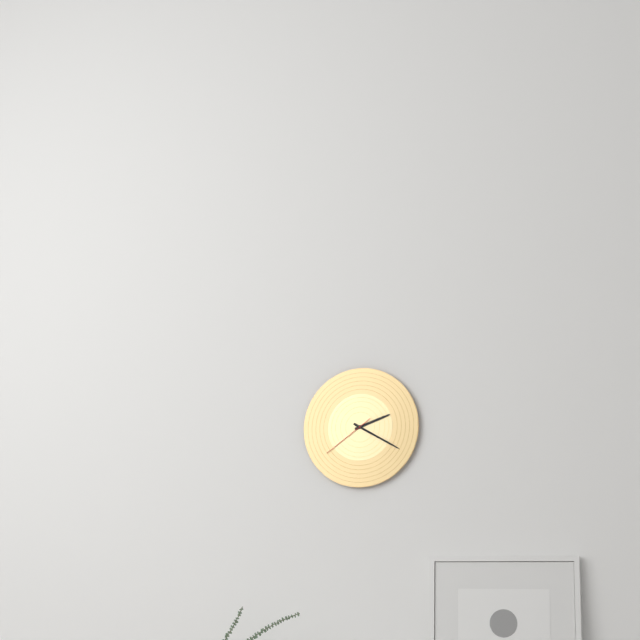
2 h 20 min 39 s
